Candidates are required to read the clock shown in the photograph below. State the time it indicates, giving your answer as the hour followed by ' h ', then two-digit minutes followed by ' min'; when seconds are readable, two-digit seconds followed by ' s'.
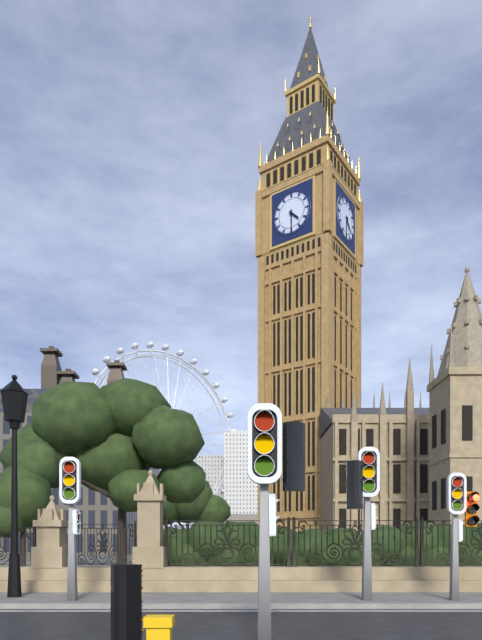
4 h 30 min
